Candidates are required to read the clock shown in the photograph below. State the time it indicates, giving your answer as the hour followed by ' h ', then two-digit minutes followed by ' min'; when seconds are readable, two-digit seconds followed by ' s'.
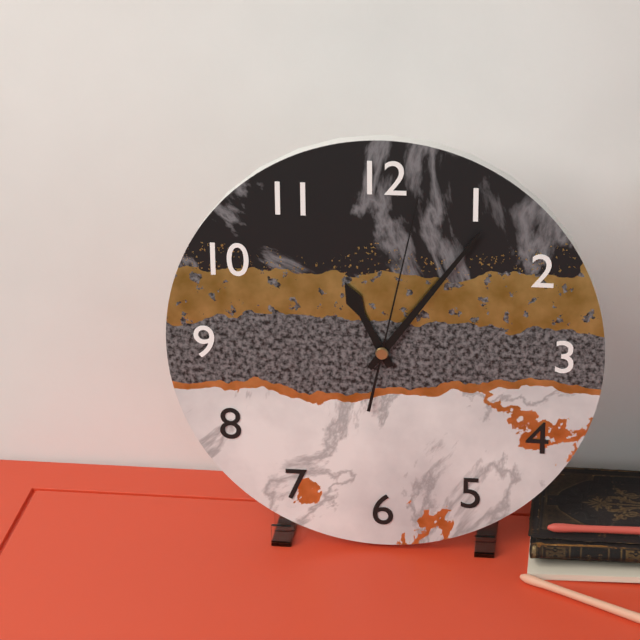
11 h 06 min 02 s
